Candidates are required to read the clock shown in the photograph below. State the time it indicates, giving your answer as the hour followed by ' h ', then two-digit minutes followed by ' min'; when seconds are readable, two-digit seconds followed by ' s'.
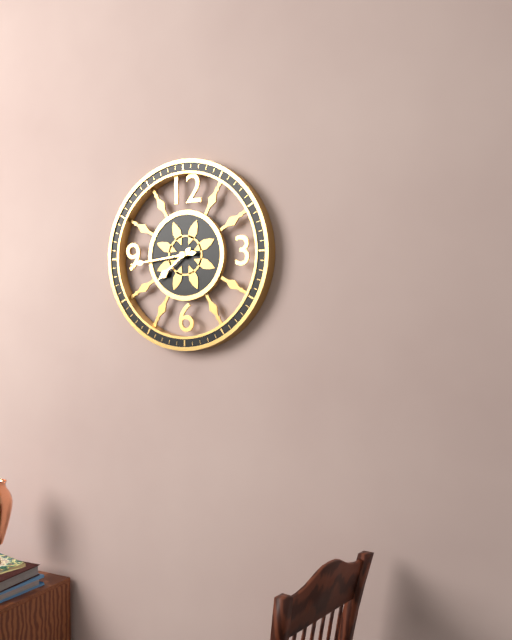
7 h 44 min
